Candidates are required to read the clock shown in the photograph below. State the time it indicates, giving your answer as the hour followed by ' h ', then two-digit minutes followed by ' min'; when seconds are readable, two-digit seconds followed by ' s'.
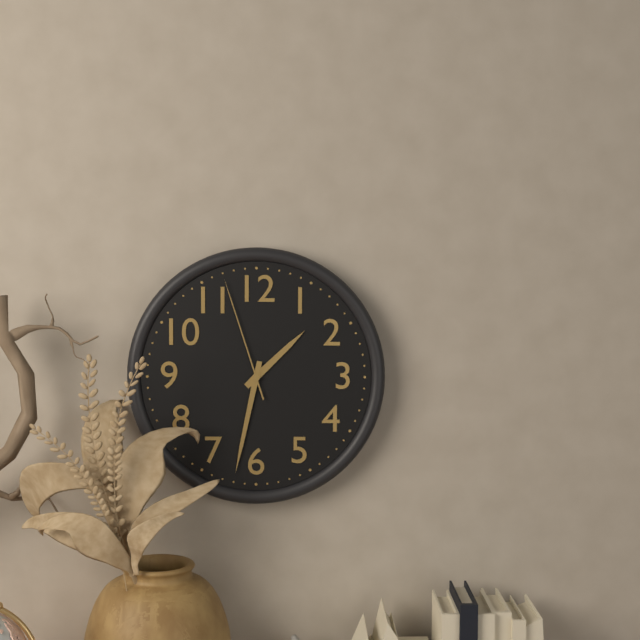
1 h 32 min 57 s
